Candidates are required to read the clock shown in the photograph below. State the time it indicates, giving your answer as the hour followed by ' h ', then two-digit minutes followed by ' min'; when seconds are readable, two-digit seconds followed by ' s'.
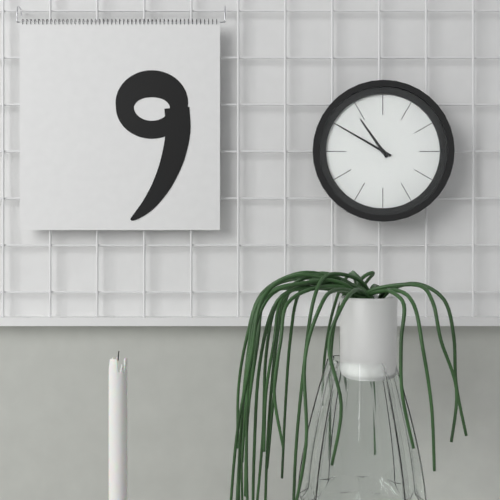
10 h 50 min
